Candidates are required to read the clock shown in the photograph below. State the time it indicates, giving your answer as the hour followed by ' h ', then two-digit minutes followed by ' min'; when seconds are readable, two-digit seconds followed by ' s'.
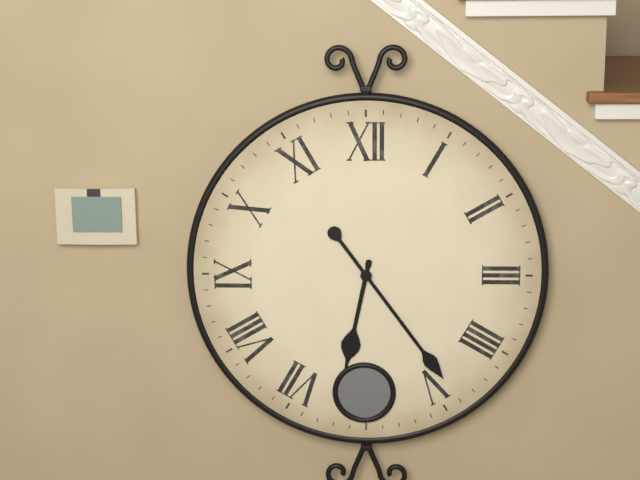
6 h 24 min
